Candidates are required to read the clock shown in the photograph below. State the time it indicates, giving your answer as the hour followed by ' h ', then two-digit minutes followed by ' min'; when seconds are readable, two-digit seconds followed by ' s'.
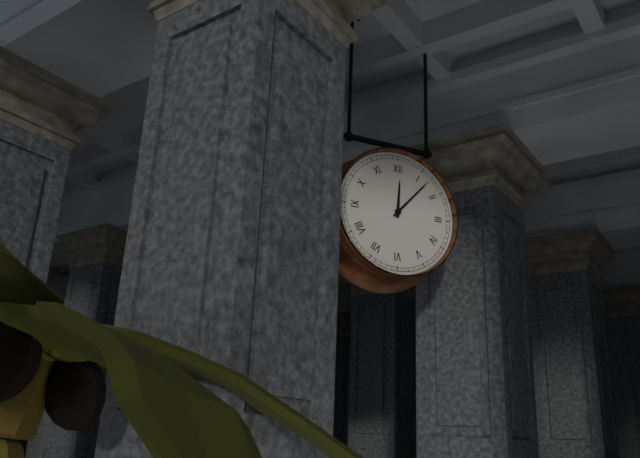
12 h 07 min
